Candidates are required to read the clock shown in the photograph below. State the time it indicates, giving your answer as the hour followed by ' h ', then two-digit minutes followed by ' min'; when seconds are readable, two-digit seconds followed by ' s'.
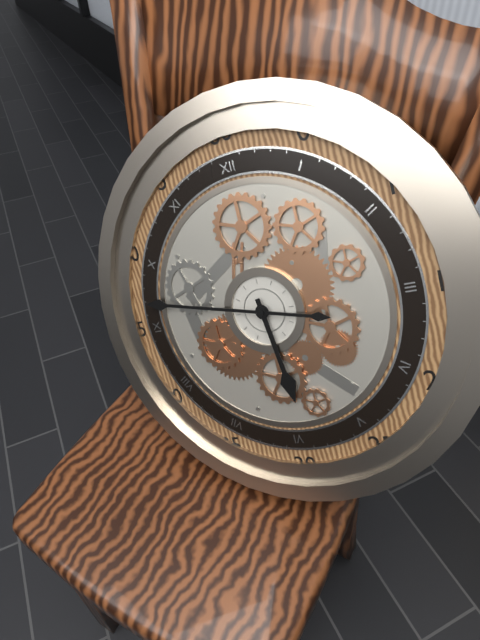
5 h 47 min
